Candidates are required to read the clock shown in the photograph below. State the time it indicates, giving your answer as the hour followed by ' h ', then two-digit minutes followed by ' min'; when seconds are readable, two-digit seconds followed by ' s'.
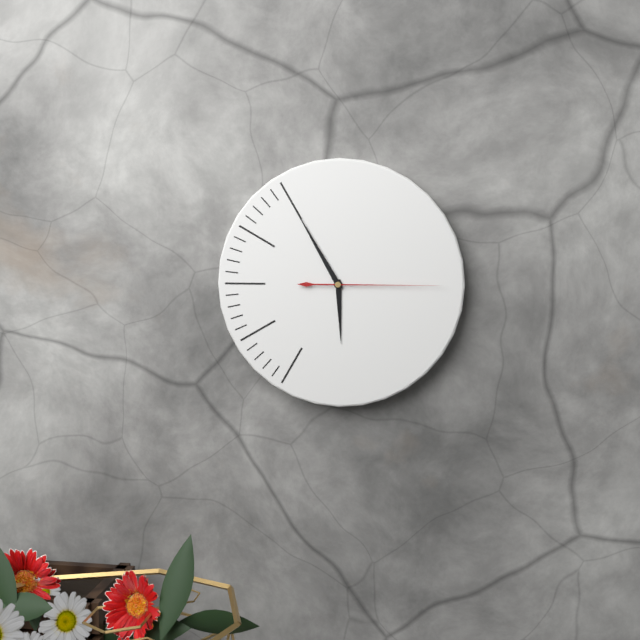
5 h 55 min 15 s
